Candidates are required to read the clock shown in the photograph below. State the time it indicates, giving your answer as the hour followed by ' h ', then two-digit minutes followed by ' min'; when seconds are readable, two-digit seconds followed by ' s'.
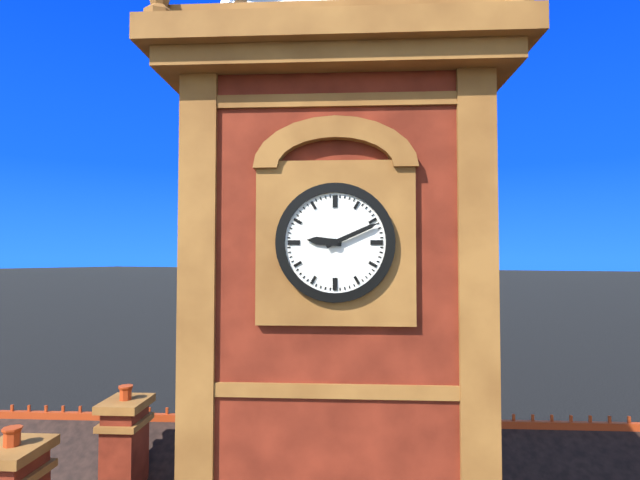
9 h 11 min
